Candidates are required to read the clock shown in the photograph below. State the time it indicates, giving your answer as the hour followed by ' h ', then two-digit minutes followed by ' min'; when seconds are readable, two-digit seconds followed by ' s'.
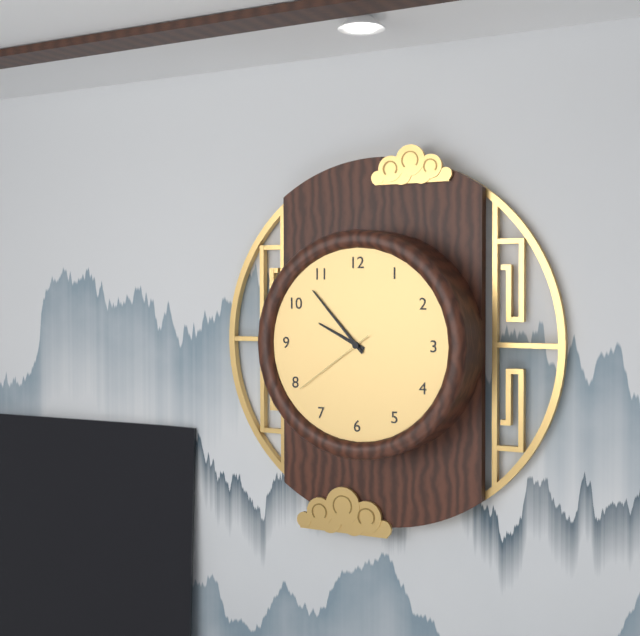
9 h 53 min 39 s
